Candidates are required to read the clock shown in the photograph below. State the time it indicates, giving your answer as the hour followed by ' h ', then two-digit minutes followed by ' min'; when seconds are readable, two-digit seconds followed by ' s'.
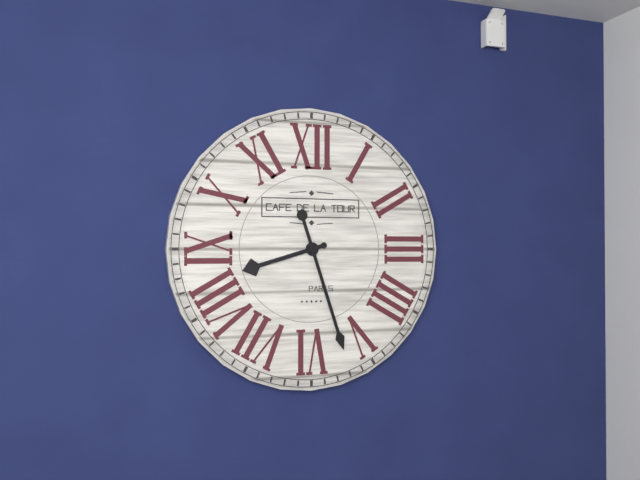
8 h 27 min
